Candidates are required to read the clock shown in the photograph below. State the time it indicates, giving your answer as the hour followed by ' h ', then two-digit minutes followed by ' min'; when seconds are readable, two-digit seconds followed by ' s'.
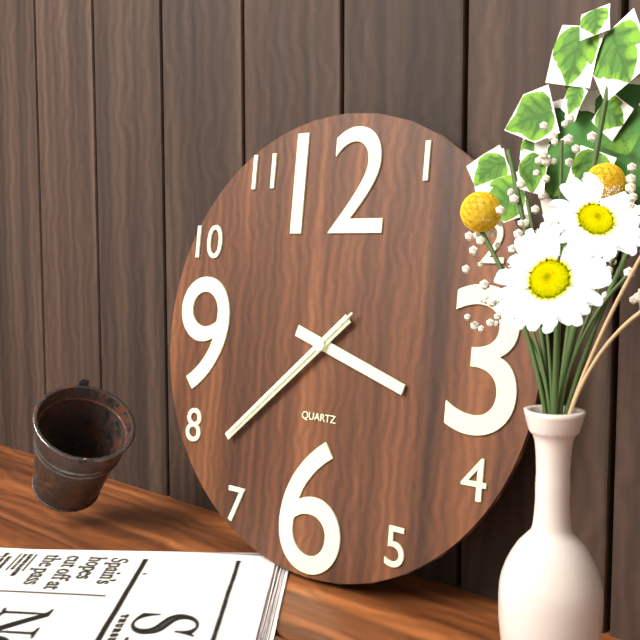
3 h 38 min 38 s
